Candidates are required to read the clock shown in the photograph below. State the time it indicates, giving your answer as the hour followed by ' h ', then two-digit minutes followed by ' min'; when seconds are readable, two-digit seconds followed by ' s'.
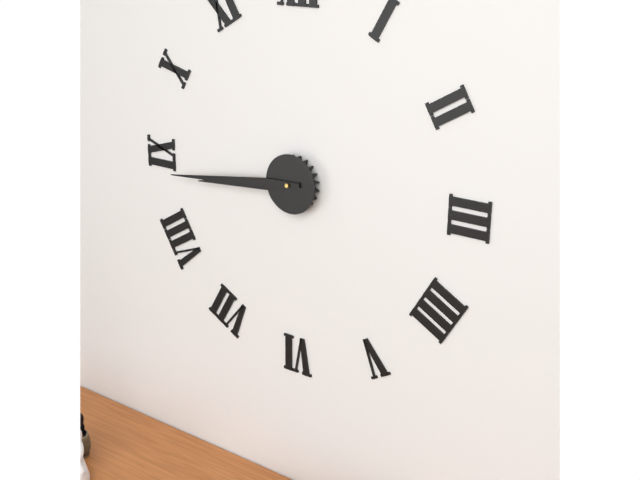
8 h 44 min
